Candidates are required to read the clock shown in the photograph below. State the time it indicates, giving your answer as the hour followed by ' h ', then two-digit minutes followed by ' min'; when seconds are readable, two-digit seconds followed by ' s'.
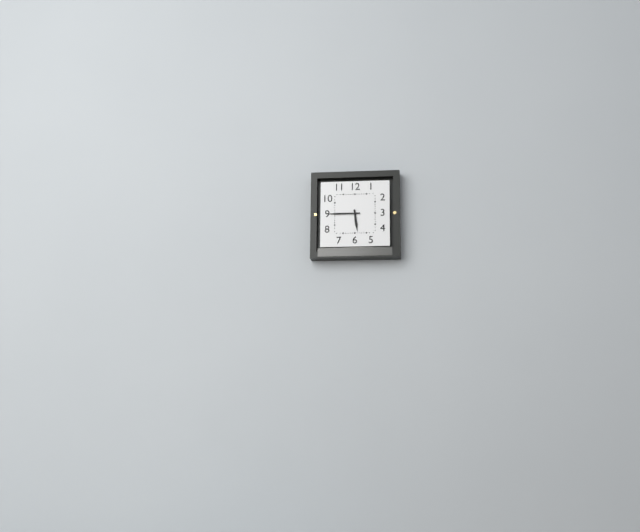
5 h 45 min
